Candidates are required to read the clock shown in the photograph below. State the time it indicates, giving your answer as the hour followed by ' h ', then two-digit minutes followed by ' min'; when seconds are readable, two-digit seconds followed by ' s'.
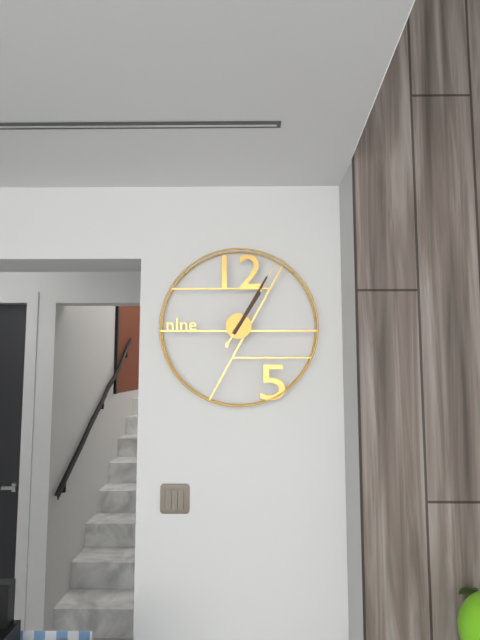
1 h 05 min
